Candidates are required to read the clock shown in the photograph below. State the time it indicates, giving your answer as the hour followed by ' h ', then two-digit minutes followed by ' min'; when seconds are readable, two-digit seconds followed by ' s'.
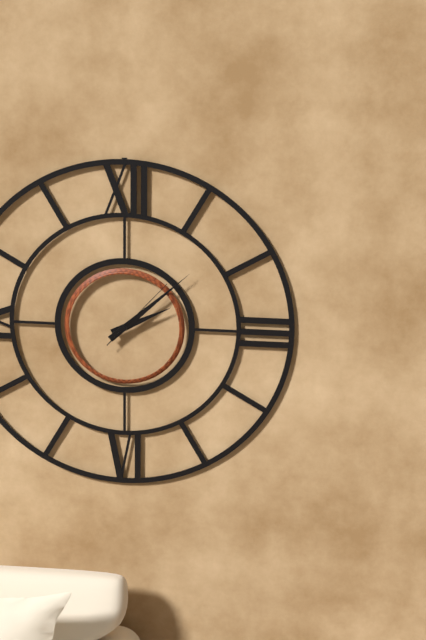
2 h 08 min 07 s
